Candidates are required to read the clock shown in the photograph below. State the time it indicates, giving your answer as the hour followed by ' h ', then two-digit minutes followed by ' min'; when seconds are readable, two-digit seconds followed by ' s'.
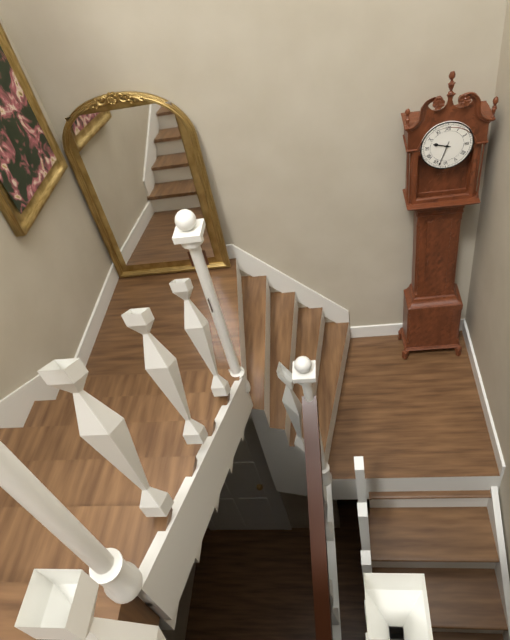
9 h 33 min
